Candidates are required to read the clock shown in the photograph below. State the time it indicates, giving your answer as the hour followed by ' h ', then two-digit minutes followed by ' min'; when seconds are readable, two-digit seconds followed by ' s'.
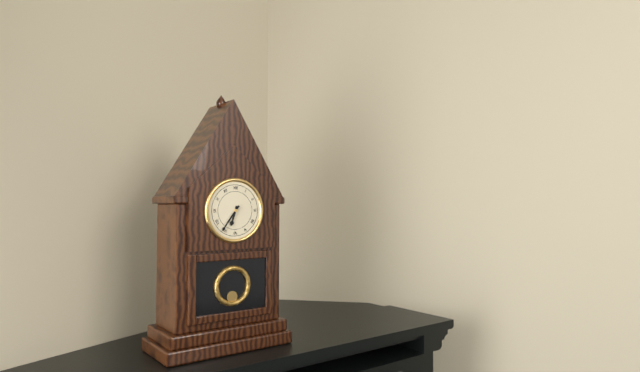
6 h 36 min
